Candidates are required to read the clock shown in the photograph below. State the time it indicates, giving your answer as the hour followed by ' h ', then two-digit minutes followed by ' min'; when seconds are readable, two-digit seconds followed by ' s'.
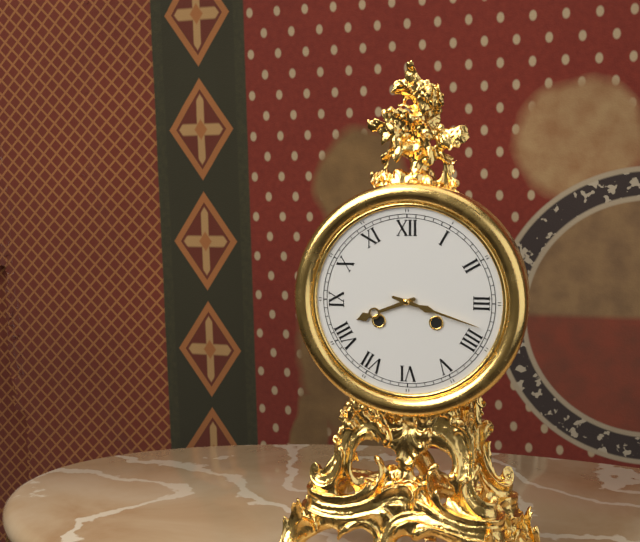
8 h 18 min
